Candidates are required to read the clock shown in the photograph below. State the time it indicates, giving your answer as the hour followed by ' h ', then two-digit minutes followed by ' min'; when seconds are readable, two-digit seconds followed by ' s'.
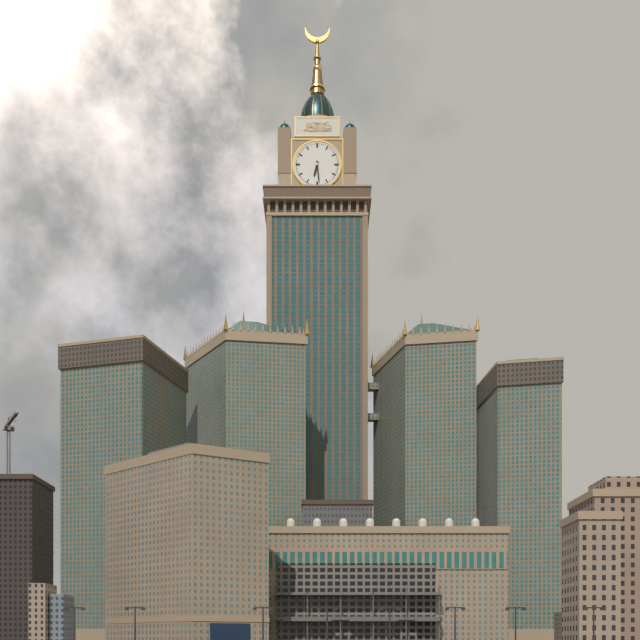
6 h 29 min
